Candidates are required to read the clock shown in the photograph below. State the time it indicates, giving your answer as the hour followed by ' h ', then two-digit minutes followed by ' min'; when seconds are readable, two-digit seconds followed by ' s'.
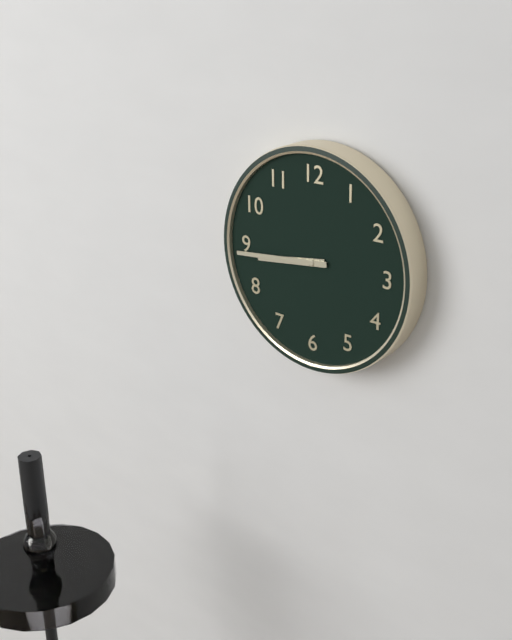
8 h 44 min
